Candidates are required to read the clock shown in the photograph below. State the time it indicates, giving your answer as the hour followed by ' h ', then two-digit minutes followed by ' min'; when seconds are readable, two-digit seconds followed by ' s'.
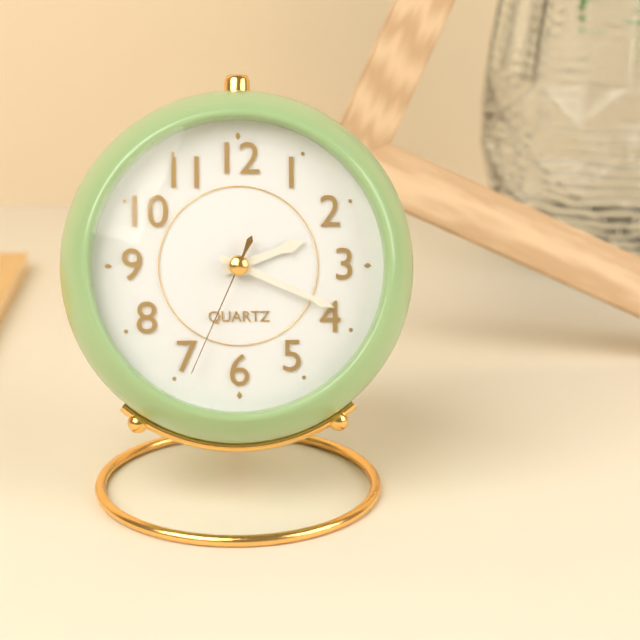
2 h 19 min 34 s
